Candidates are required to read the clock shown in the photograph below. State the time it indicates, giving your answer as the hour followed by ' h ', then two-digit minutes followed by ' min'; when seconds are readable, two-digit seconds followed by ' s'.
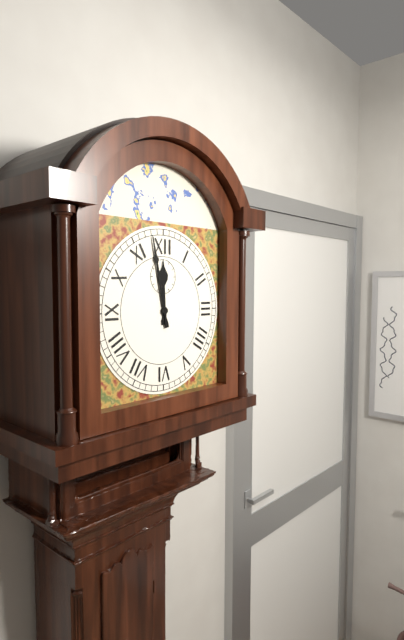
11 h 58 min
